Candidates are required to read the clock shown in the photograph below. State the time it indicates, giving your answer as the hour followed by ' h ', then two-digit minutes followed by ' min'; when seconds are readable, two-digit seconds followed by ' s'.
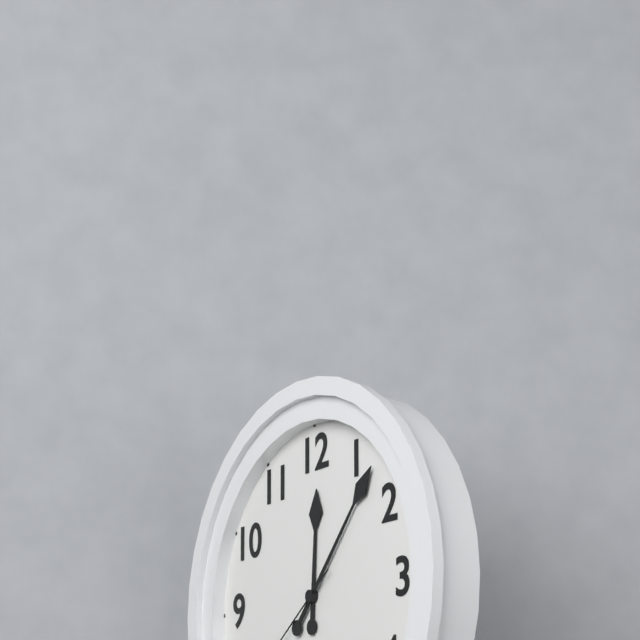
12 h 07 min
